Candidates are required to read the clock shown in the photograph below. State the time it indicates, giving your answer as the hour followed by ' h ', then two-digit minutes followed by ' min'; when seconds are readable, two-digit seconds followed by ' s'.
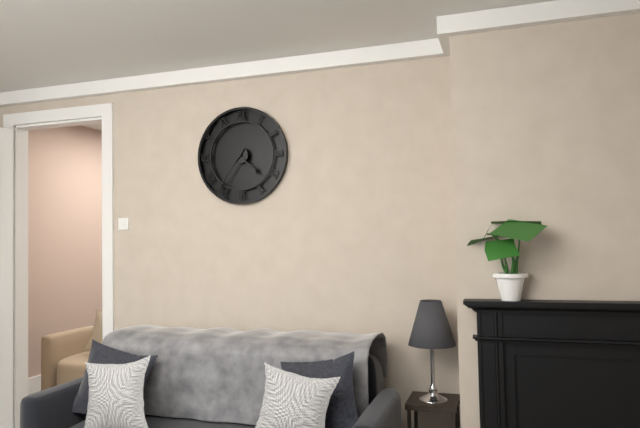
4 h 36 min
